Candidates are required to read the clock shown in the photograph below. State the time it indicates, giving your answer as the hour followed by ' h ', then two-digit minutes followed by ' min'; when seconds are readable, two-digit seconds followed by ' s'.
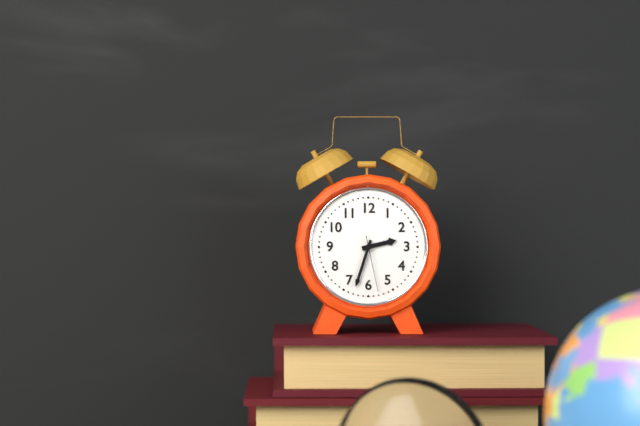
2 h 33 min 28 s
